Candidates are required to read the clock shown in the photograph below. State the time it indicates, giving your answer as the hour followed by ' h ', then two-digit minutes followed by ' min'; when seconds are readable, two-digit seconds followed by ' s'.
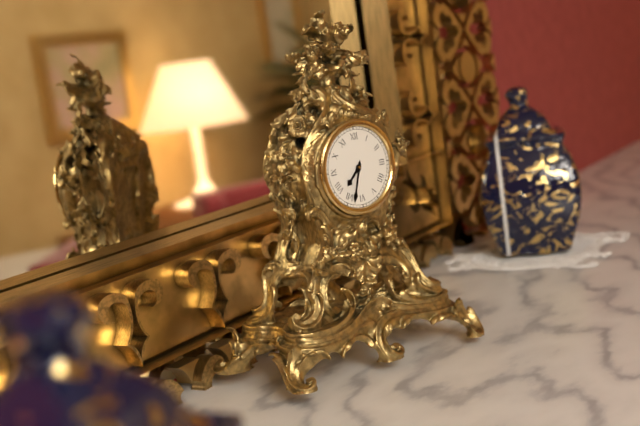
7 h 33 min
